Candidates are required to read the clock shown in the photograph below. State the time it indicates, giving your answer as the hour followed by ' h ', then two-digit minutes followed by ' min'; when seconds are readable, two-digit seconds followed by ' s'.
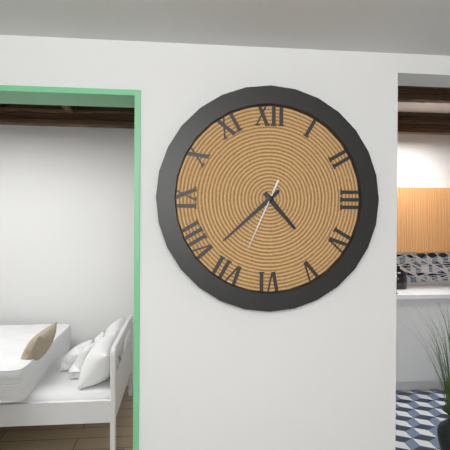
4 h 38 min 34 s
